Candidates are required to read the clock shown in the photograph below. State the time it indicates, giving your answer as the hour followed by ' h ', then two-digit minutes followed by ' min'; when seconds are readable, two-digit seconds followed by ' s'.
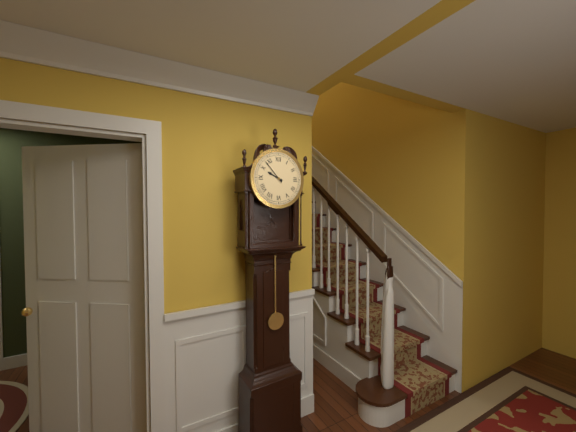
9 h 53 min
